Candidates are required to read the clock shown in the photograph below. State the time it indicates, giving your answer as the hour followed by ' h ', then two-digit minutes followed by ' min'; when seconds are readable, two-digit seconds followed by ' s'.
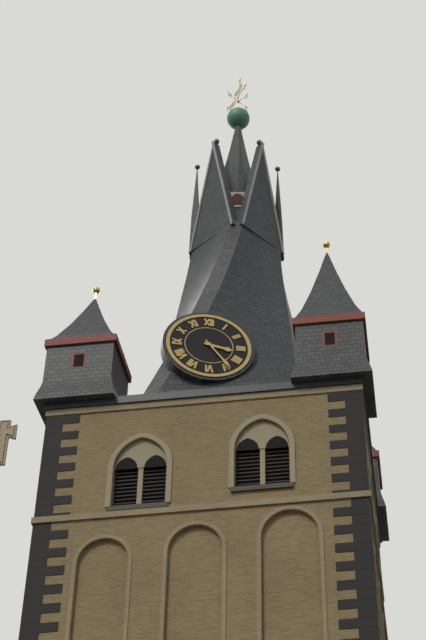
3 h 24 min
